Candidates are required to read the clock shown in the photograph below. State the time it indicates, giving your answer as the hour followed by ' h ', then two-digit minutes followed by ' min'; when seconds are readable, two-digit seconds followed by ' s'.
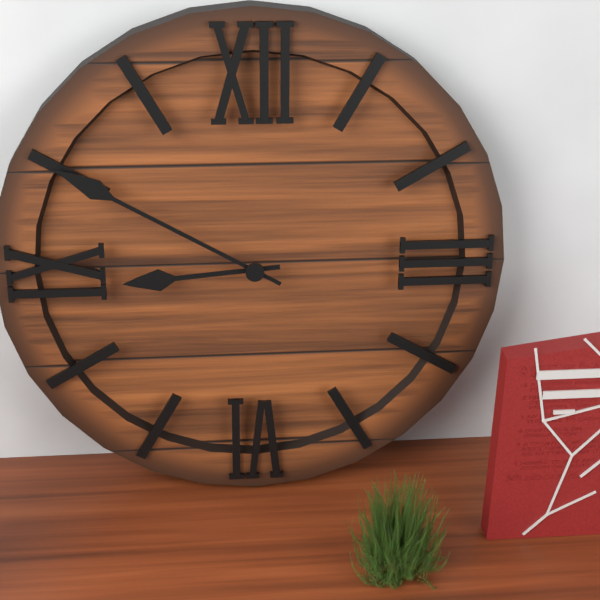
8 h 50 min
